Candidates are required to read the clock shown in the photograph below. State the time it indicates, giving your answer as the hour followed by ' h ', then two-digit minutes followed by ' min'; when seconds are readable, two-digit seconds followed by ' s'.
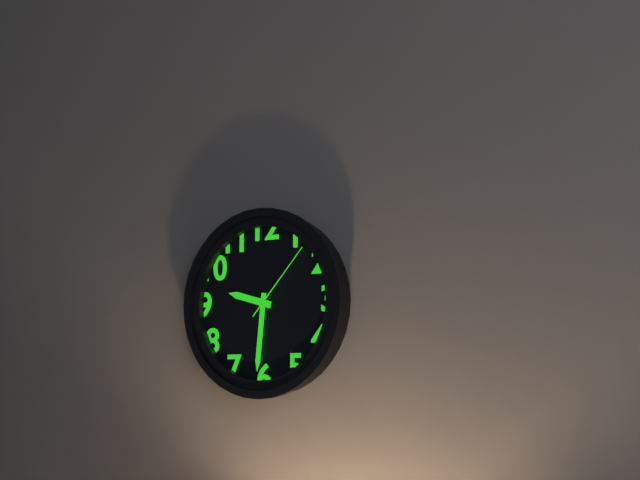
9 h 31 min 07 s
